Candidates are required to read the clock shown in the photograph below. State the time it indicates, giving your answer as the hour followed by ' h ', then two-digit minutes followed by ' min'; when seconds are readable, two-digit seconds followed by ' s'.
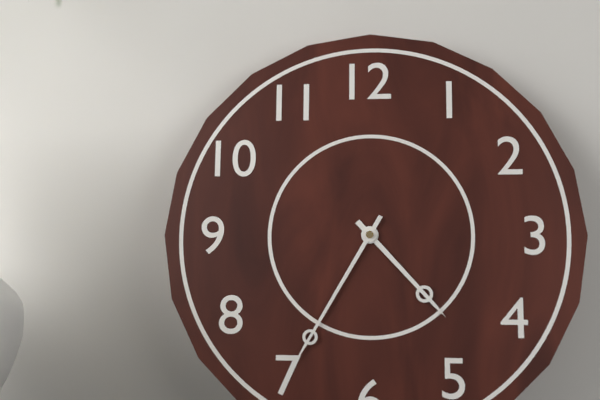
4 h 35 min
